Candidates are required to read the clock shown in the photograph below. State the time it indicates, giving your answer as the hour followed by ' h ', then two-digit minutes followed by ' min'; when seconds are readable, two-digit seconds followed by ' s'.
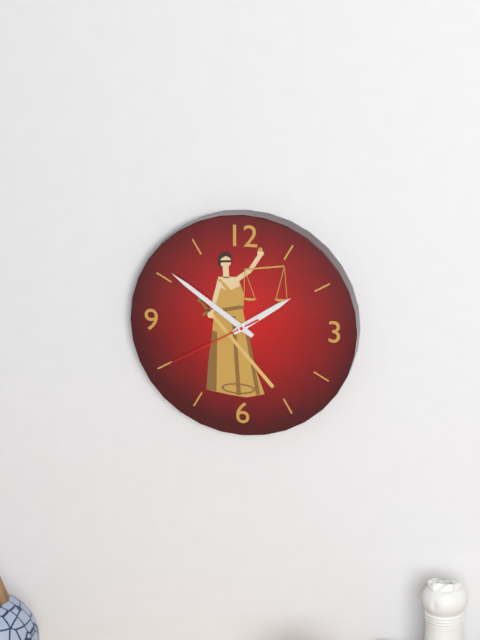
1 h 51 min 40 s
